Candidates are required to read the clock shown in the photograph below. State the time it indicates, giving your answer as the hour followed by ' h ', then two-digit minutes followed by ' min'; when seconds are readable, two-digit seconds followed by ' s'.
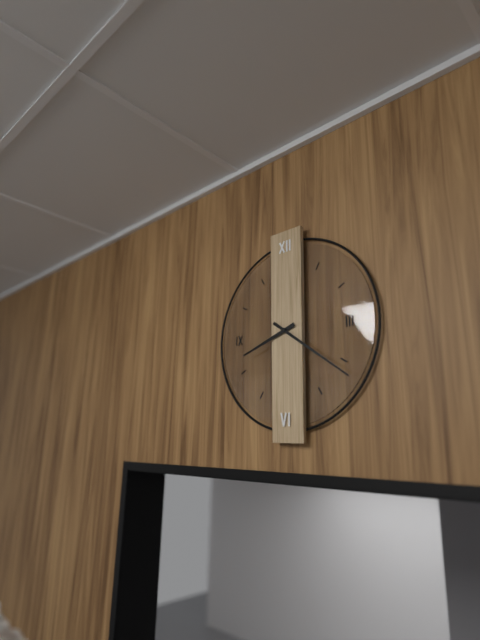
8 h 21 min
